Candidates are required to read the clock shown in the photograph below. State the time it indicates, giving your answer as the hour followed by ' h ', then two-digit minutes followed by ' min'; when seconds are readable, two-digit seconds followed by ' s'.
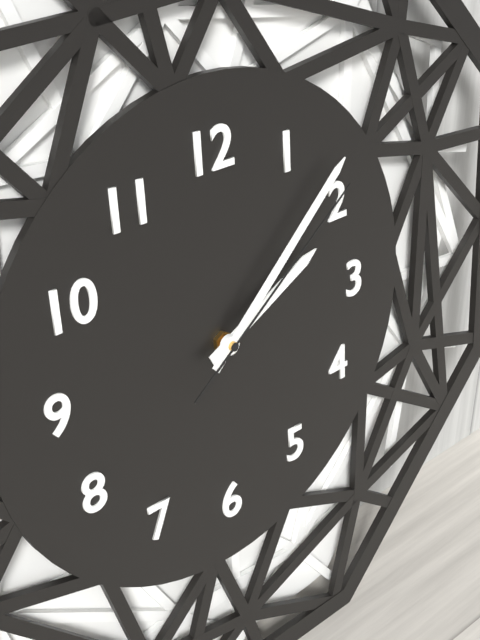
2 h 08 min 09 s
